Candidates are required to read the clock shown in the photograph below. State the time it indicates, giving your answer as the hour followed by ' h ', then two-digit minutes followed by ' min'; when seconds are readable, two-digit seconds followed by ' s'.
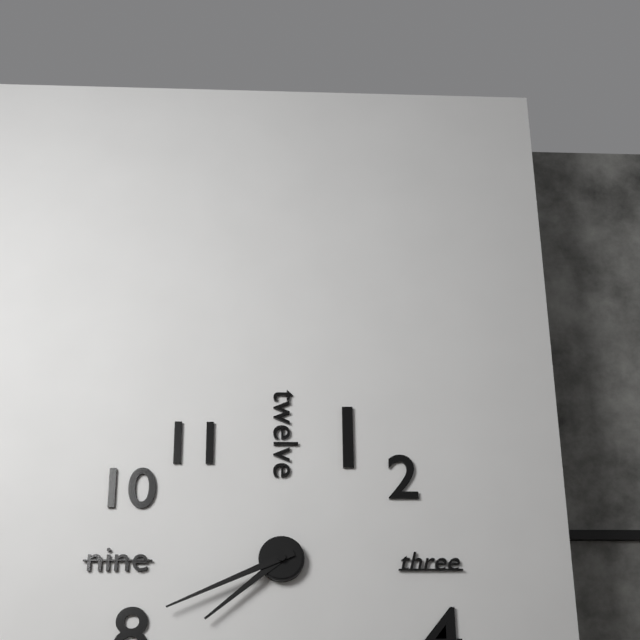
7 h 41 min
